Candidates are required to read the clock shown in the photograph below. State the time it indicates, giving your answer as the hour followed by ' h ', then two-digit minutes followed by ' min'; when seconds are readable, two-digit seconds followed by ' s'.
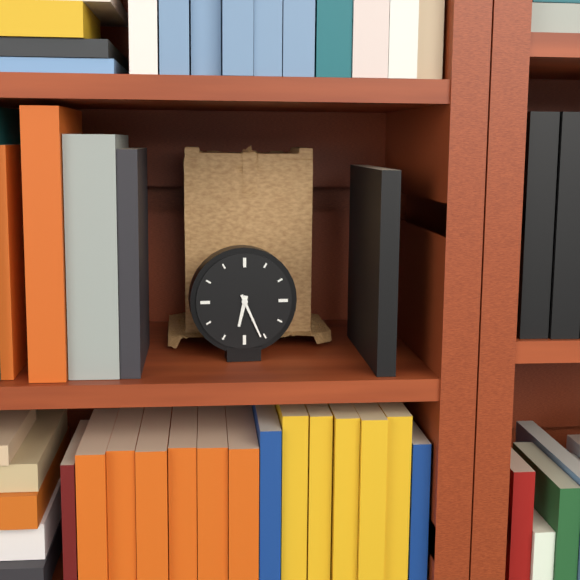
6 h 26 min
